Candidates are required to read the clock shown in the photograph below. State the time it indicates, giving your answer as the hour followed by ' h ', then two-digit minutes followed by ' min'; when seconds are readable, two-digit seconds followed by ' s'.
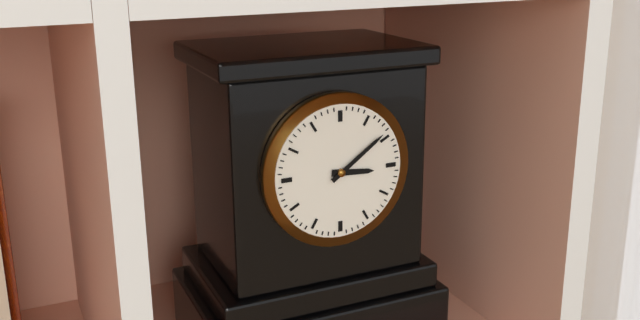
3 h 09 min
